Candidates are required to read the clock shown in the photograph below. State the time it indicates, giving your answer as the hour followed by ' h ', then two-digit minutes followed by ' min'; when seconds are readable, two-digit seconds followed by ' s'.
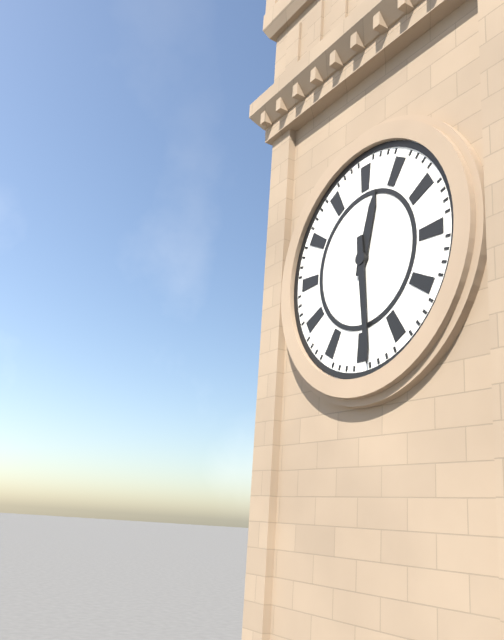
12 h 29 min
